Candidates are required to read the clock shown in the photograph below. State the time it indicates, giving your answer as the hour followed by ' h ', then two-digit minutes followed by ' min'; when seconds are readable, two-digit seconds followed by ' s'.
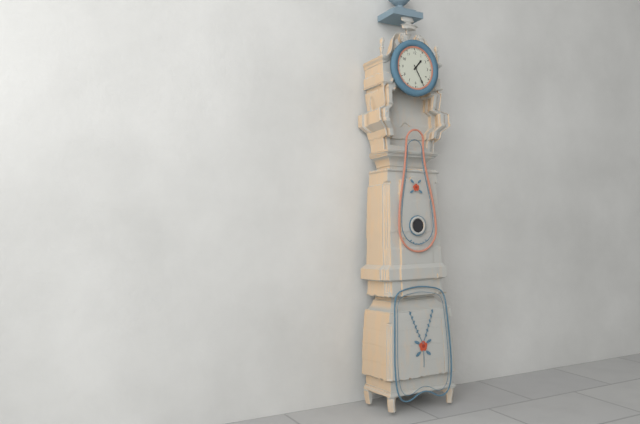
1 h 25 min
